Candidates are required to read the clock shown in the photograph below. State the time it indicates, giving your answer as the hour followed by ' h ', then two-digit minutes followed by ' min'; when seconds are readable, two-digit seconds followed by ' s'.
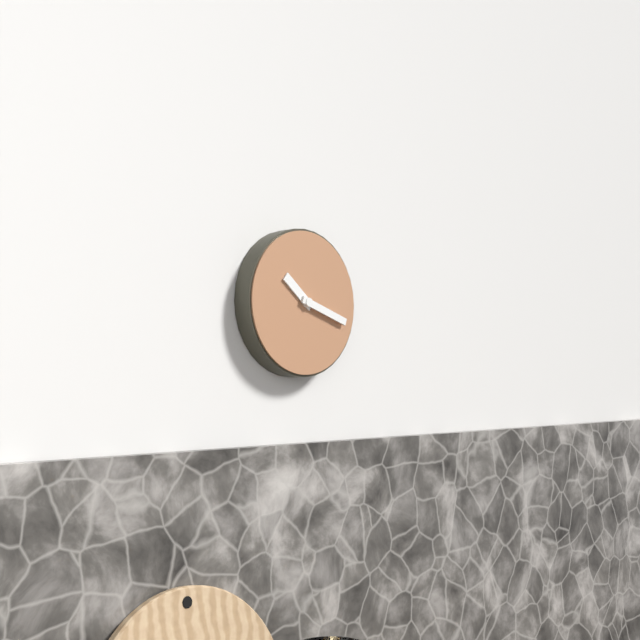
10 h 18 min
